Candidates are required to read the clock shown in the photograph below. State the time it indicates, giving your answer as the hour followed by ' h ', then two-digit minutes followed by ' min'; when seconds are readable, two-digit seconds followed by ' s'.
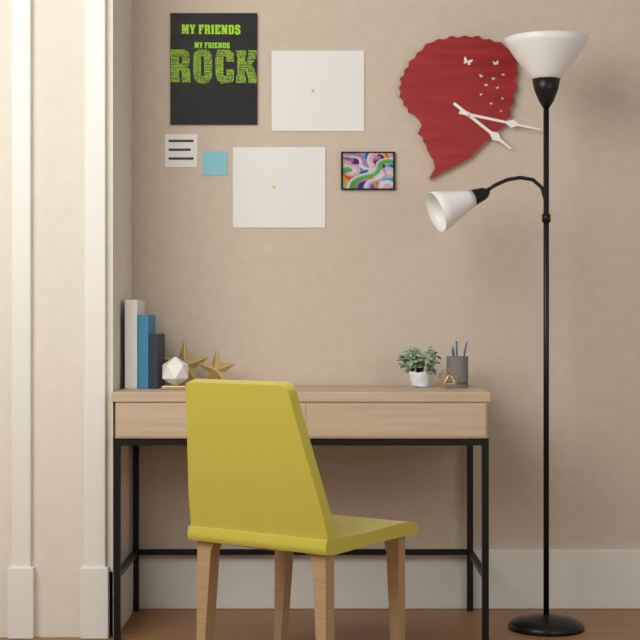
4 h 17 min
